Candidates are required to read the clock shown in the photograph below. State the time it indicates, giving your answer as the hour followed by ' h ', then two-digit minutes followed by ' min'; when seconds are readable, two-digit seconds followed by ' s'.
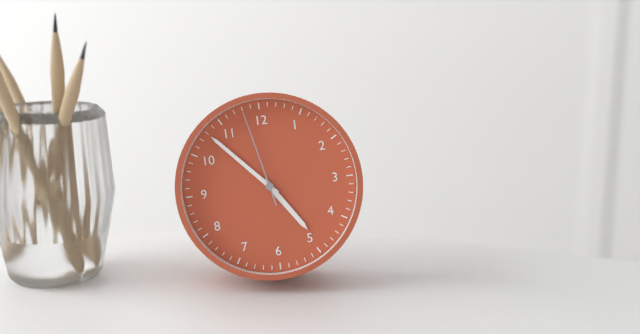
4 h 53 min 58 s
